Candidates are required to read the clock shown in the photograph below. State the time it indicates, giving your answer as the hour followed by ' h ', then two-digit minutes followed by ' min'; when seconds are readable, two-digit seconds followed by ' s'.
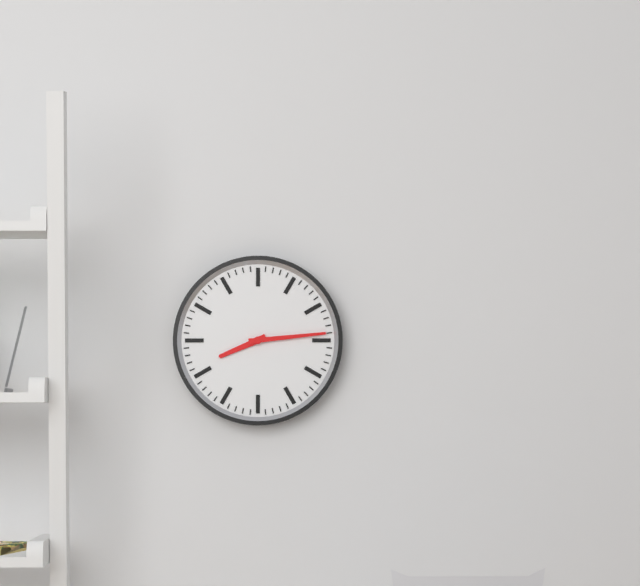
8 h 14 min
